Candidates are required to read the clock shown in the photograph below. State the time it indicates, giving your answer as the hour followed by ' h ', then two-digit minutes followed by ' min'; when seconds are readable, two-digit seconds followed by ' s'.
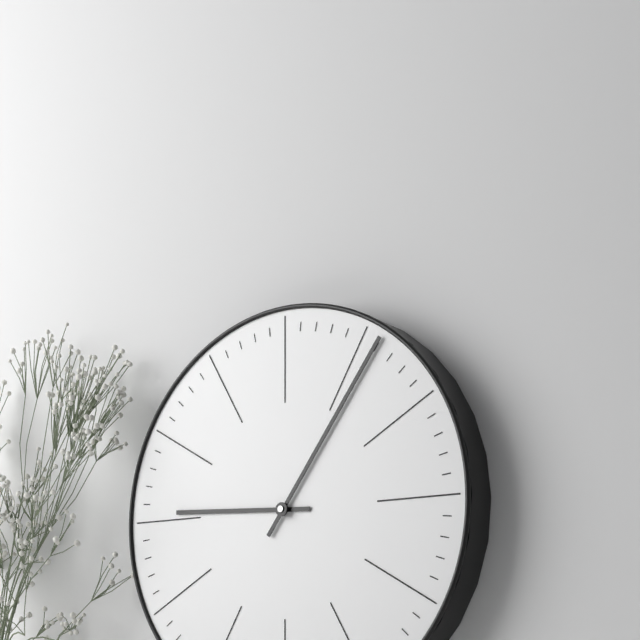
9 h 06 min
